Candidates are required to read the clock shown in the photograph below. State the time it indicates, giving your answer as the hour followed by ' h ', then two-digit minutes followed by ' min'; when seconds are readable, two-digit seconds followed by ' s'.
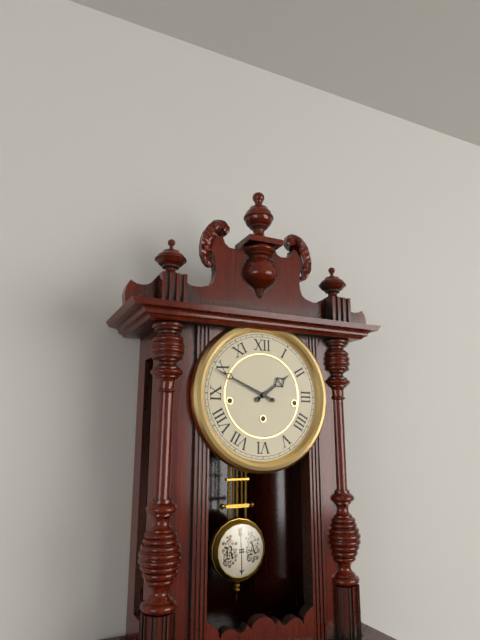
1 h 49 min
